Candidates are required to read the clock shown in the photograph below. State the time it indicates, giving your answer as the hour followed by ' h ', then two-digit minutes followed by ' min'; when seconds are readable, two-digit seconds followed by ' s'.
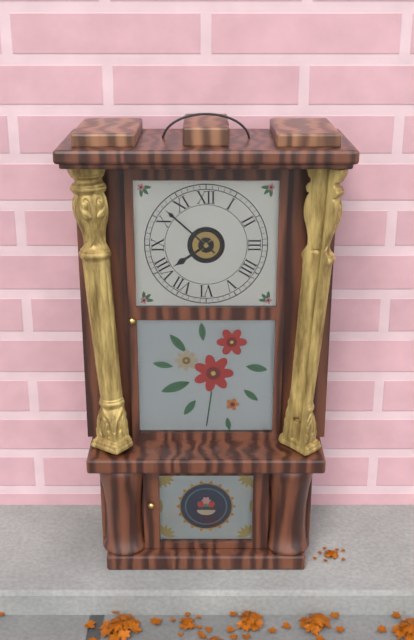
7 h 52 min
